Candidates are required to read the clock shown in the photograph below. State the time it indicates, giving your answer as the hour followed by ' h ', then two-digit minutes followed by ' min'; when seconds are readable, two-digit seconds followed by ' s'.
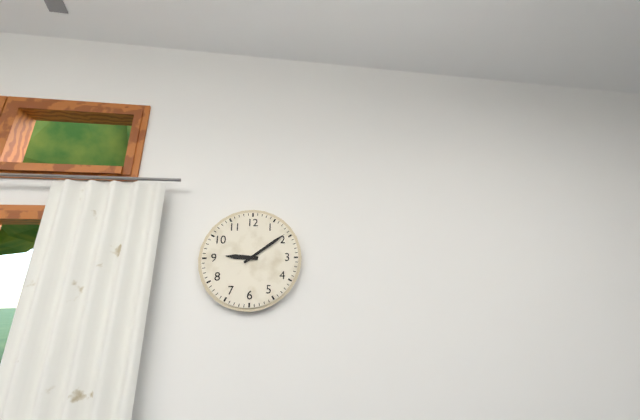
9 h 09 min
